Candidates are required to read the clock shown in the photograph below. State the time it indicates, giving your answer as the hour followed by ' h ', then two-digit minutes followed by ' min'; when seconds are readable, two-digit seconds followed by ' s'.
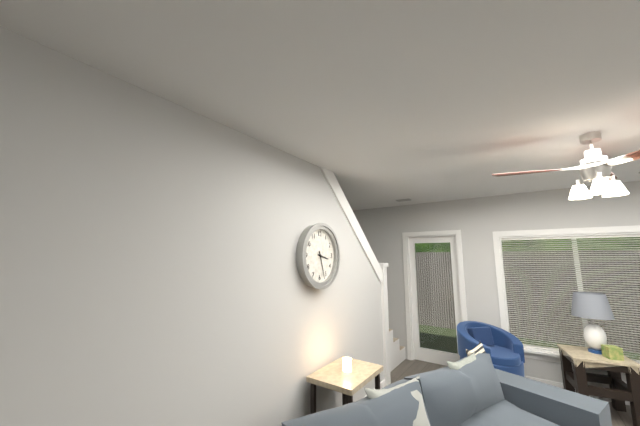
3 h 27 min
